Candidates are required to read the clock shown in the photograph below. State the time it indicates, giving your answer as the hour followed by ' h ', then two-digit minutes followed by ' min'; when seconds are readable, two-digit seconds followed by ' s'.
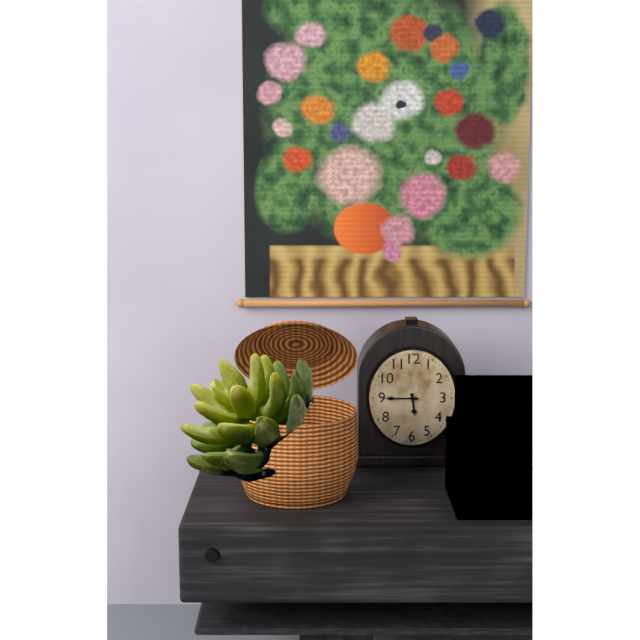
5 h 45 min
